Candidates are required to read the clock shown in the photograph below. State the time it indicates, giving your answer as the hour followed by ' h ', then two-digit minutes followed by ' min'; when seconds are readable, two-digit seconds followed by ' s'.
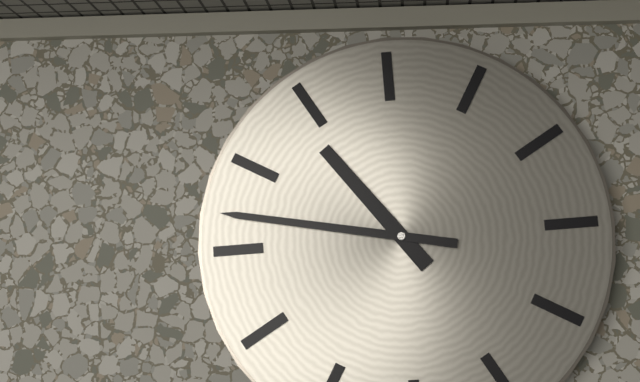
10 h 47 min
